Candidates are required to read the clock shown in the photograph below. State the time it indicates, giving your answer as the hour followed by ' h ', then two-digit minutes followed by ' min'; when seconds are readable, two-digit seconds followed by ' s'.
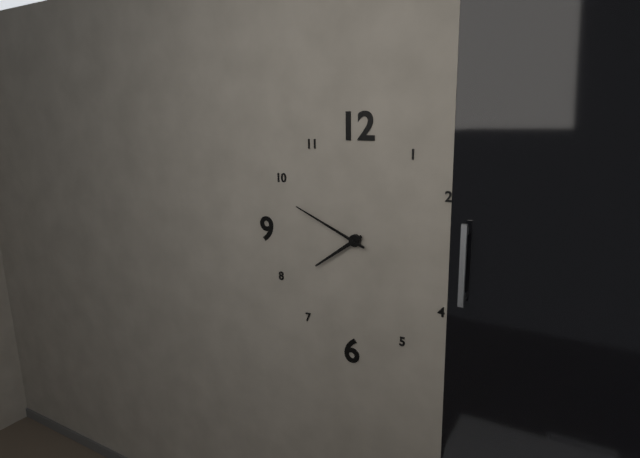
7 h 49 min
